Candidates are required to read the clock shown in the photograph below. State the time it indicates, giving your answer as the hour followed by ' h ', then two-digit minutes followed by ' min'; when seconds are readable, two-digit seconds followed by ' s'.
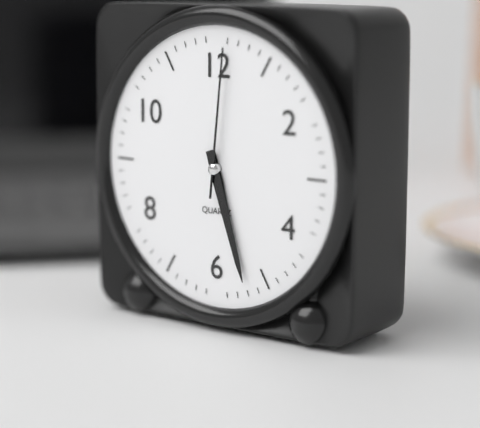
5 h 27 min 01 s
